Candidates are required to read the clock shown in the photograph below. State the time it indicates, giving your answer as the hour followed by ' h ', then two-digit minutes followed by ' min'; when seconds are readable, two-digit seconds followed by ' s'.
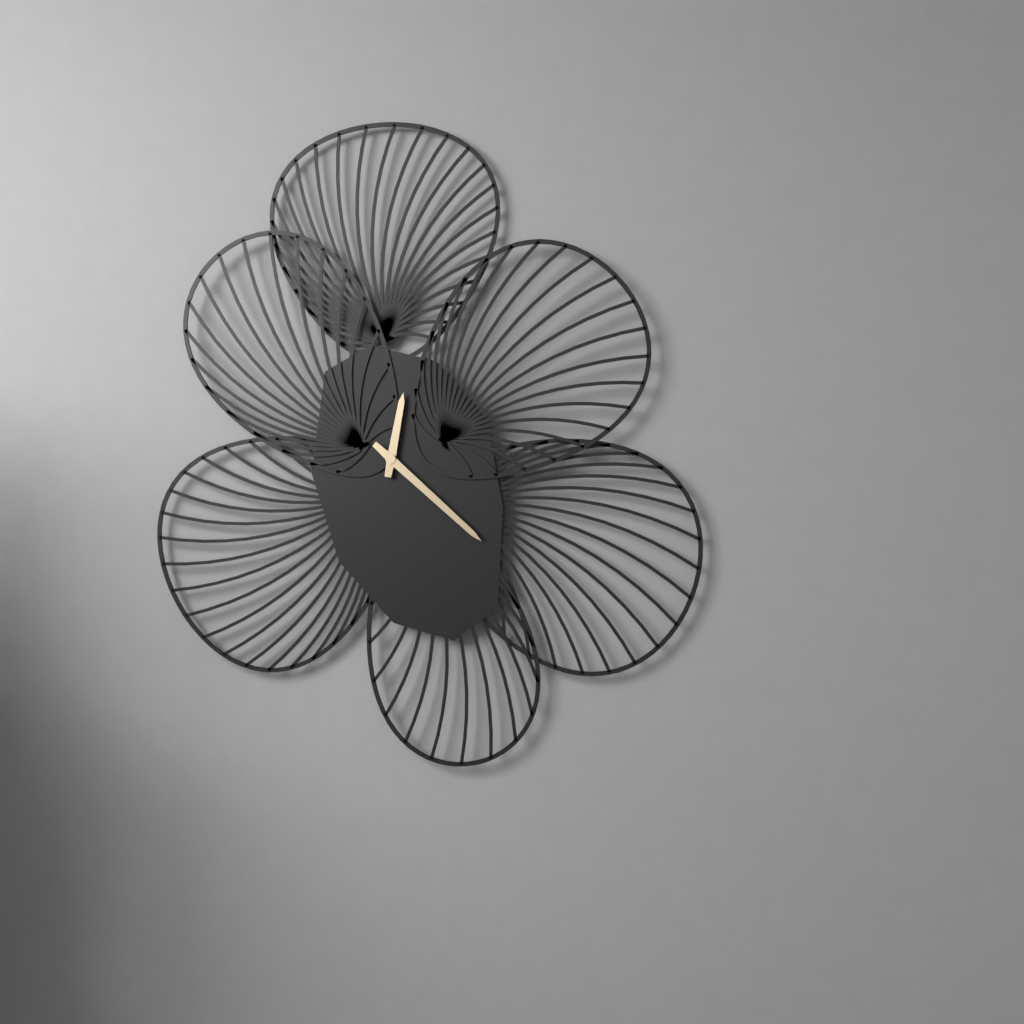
12 h 22 min
